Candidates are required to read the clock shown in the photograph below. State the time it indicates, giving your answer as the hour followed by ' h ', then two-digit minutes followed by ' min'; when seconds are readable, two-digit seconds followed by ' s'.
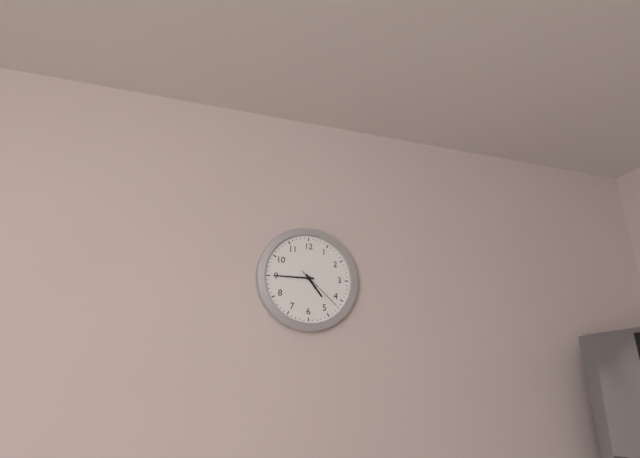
4 h 45 min
